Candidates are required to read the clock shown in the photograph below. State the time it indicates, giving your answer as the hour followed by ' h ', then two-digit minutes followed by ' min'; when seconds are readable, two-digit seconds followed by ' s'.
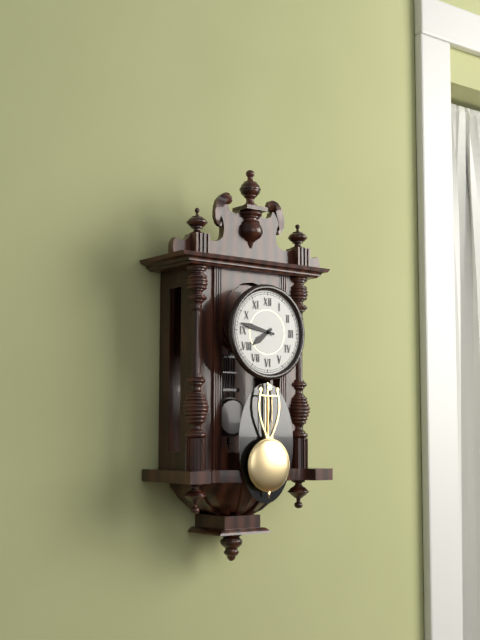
7 h 47 min
